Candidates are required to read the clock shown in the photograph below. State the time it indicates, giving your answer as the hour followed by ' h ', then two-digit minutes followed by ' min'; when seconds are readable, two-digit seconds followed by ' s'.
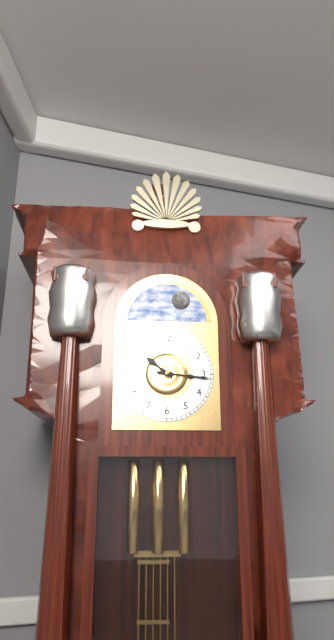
10 h 16 min
